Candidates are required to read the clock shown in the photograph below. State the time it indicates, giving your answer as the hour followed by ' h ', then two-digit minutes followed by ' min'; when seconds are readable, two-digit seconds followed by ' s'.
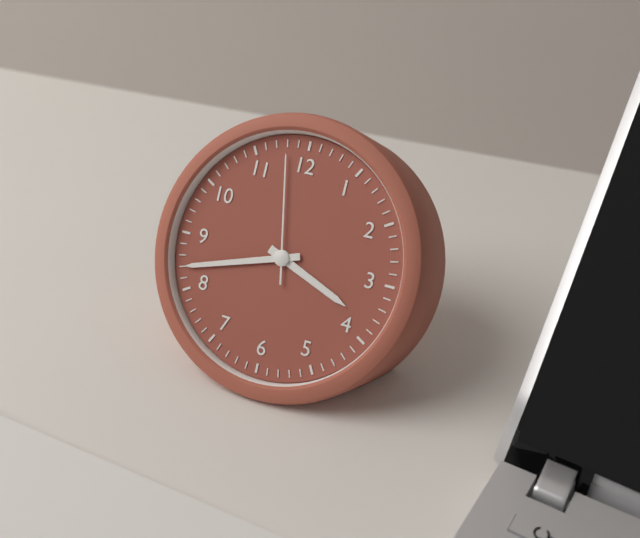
3 h 42 min 58 s
